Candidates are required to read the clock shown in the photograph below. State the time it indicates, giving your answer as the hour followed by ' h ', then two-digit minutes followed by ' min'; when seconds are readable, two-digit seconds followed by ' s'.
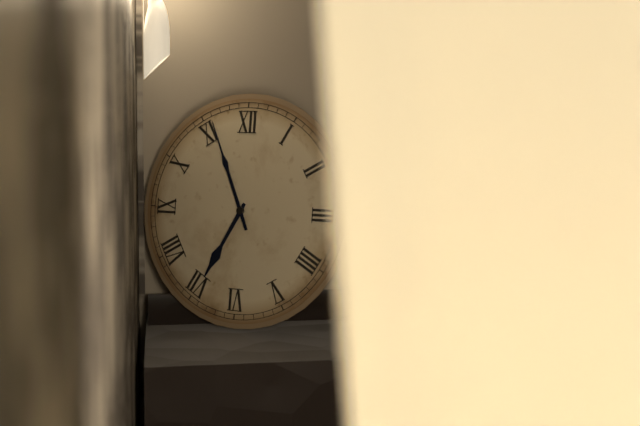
6 h 56 min
